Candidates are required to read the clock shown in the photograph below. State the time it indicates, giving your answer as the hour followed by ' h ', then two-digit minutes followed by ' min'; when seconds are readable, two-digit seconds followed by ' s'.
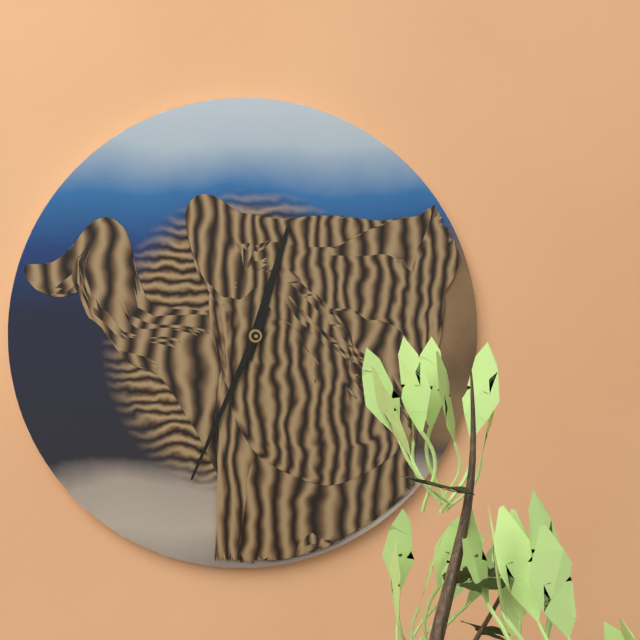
12 h 34 min
